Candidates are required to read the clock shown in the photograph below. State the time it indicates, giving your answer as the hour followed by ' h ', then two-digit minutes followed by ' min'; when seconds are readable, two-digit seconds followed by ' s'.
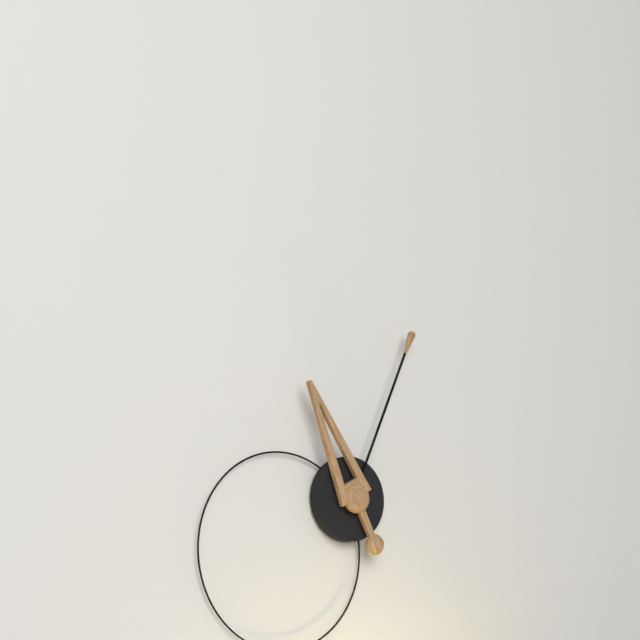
11 h 04 min
